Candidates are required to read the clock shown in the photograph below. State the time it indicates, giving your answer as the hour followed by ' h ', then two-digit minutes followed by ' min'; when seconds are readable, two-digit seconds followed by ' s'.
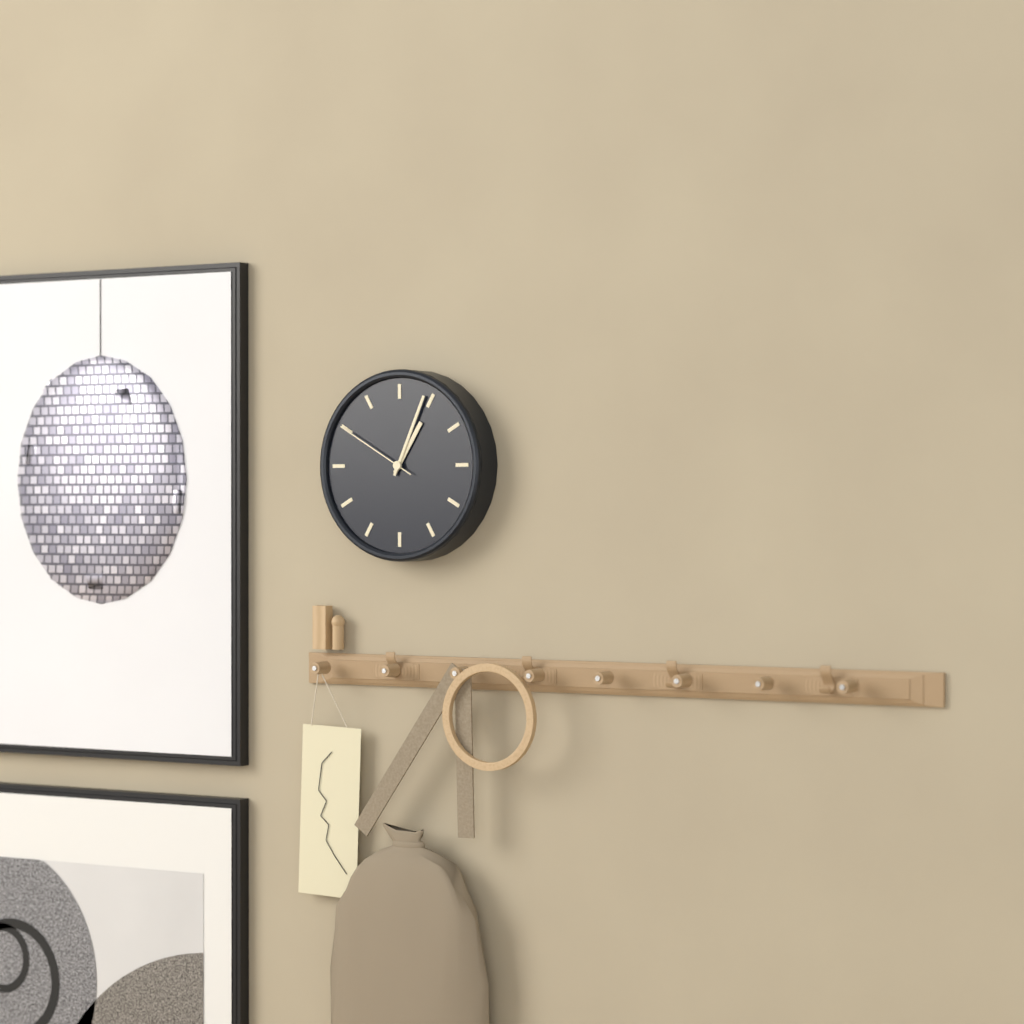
1 h 04 min 50 s
